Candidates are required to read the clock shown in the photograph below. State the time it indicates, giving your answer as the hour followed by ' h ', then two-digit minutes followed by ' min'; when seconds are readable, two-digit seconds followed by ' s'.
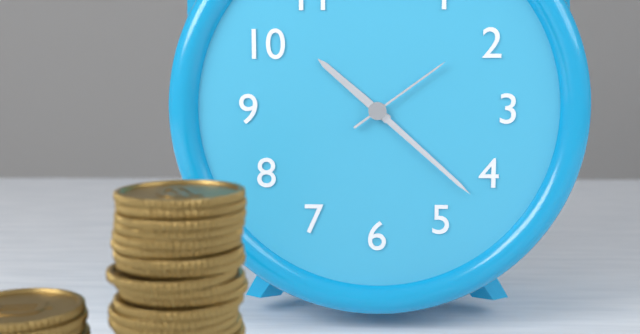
10 h 22 min 09 s
